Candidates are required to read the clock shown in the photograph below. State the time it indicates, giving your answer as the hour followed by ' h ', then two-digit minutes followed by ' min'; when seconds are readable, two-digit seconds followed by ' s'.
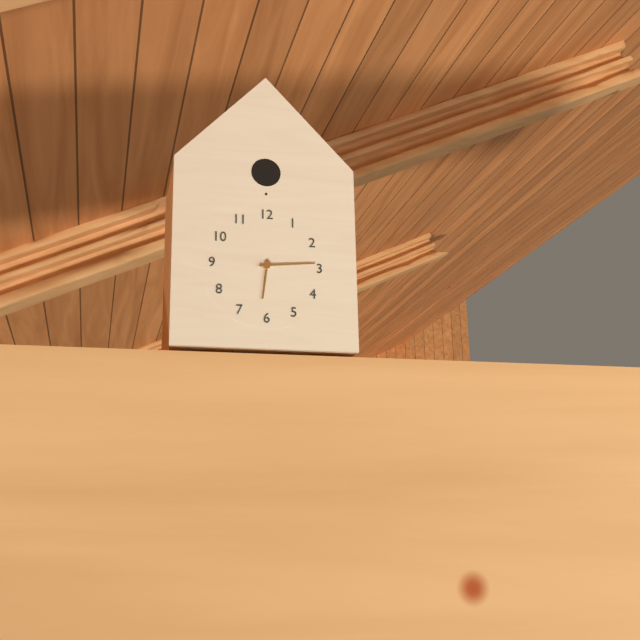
6 h 14 min
